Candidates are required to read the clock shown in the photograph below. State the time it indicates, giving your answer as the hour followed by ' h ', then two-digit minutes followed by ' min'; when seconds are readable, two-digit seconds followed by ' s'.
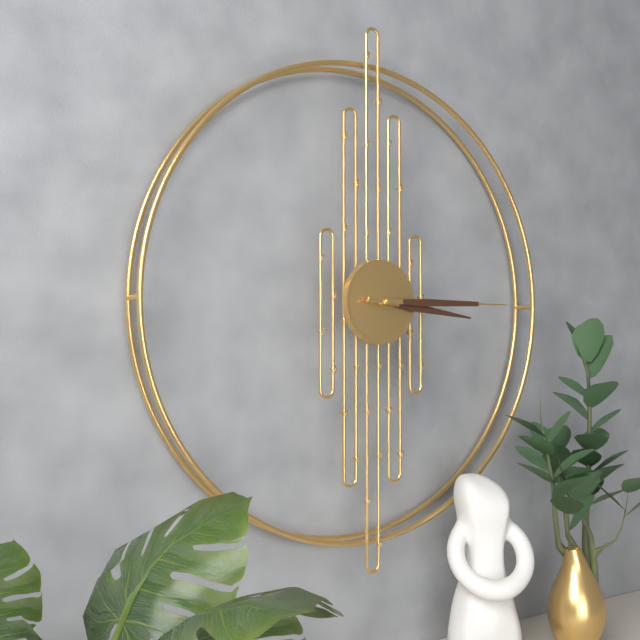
3 h 15 min
